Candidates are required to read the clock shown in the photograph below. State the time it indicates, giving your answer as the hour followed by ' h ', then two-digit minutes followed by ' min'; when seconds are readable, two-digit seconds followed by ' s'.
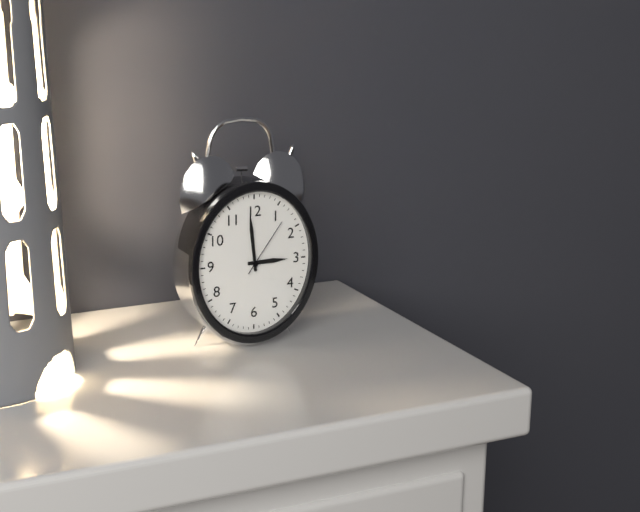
2 h 59 min 06 s
